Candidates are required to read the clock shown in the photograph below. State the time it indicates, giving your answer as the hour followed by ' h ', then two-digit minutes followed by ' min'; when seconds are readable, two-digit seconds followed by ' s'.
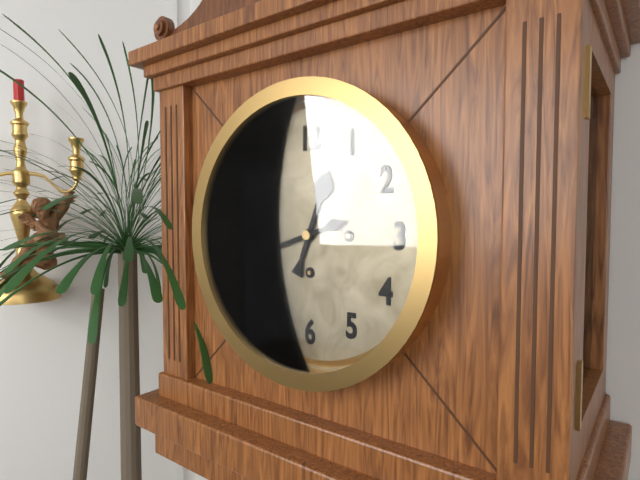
12 h 42 min
